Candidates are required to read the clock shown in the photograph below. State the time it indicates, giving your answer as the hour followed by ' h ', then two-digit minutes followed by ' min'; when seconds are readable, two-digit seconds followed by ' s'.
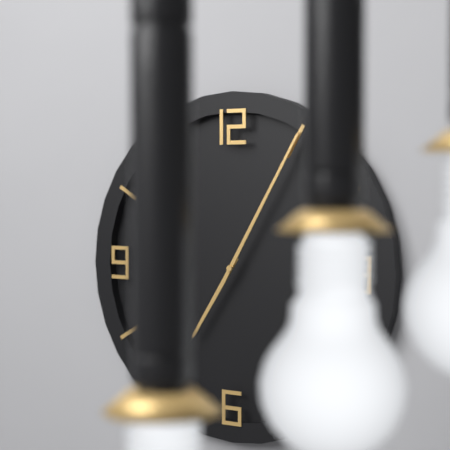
7 h 05 min
